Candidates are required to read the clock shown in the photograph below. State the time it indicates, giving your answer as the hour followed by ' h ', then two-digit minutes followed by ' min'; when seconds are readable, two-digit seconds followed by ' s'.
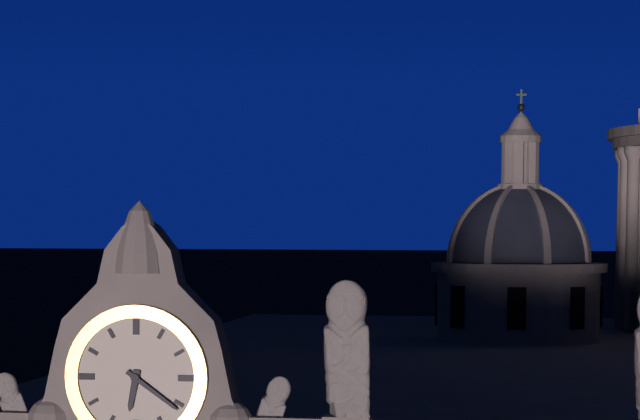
6 h 21 min
